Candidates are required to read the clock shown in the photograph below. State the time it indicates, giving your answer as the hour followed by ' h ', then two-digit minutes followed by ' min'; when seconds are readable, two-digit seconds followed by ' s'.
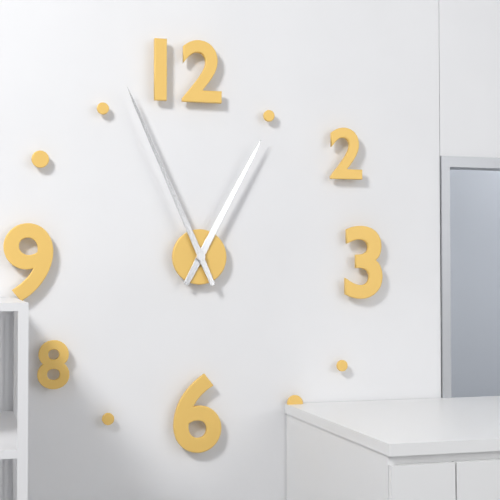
12 h 56 min
